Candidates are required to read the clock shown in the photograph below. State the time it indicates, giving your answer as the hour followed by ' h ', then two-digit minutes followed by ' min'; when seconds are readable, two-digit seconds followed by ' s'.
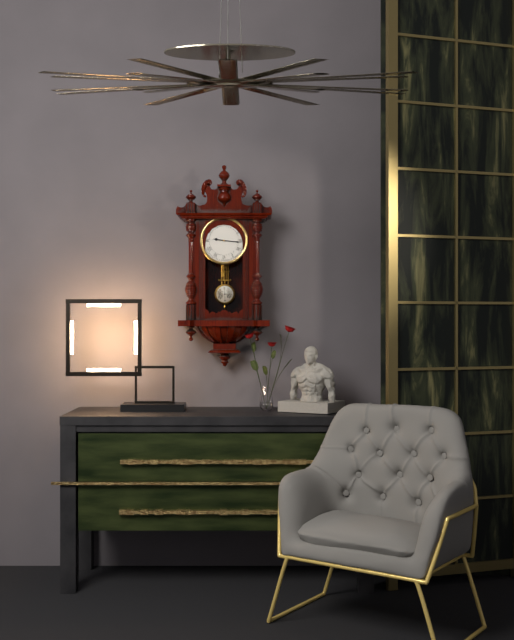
9 h 16 min
